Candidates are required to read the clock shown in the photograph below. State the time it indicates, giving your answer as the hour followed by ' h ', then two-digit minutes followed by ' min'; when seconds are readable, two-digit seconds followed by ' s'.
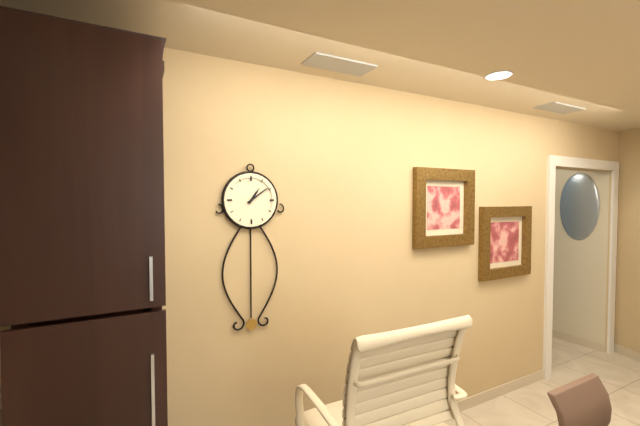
1 h 09 min
